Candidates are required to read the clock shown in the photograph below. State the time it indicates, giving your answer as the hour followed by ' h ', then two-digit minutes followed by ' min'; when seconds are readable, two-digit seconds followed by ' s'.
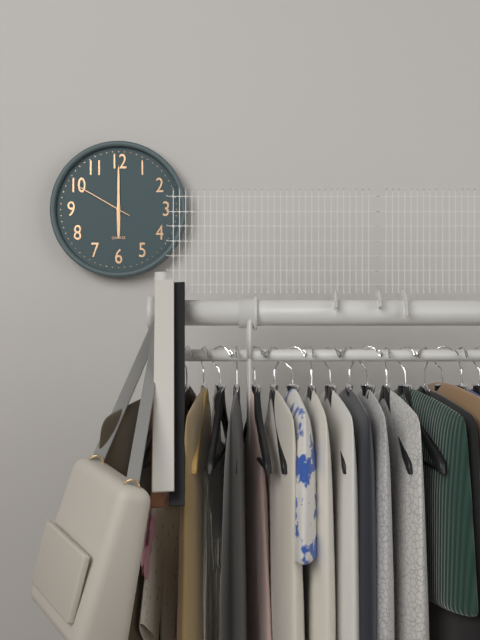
6 h 00 min 50 s
